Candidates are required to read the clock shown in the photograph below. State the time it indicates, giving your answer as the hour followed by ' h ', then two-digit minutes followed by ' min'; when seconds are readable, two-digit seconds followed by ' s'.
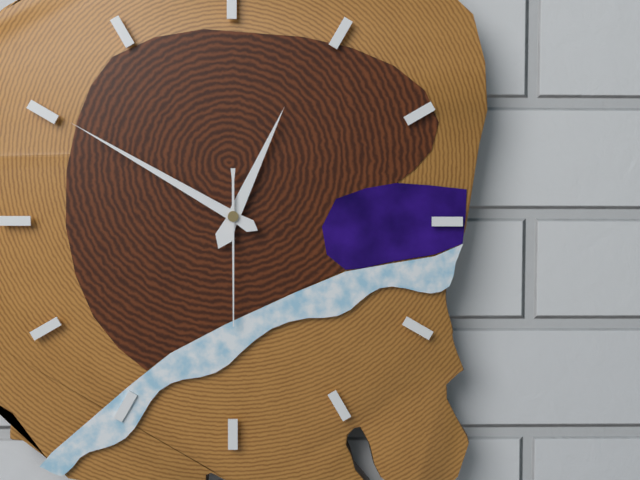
12 h 50 min 30 s
